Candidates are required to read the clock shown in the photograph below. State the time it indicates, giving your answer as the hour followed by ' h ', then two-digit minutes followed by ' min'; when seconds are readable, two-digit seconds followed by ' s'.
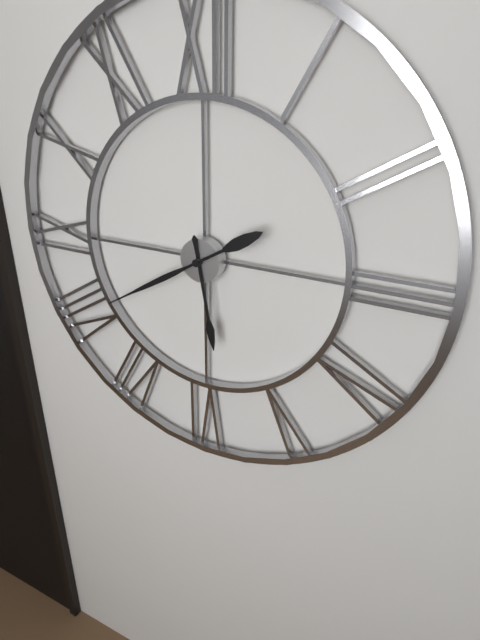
5 h 40 min
